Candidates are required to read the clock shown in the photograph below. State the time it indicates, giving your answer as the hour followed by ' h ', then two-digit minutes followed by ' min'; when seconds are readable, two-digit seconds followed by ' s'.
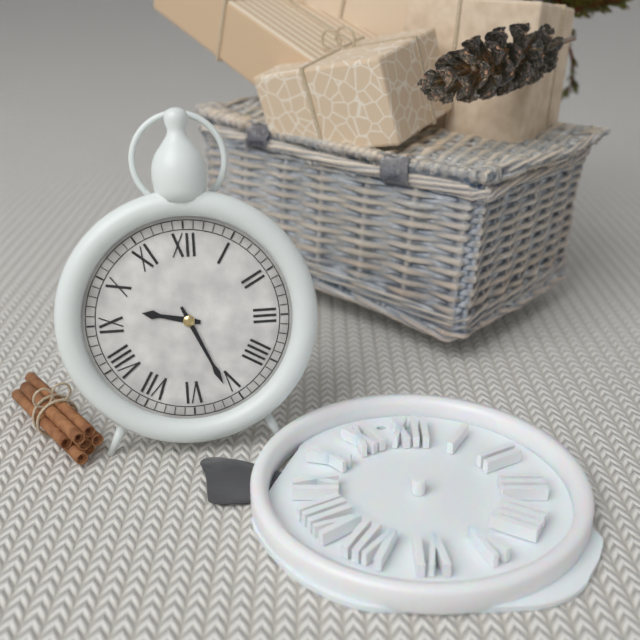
9 h 26 min
